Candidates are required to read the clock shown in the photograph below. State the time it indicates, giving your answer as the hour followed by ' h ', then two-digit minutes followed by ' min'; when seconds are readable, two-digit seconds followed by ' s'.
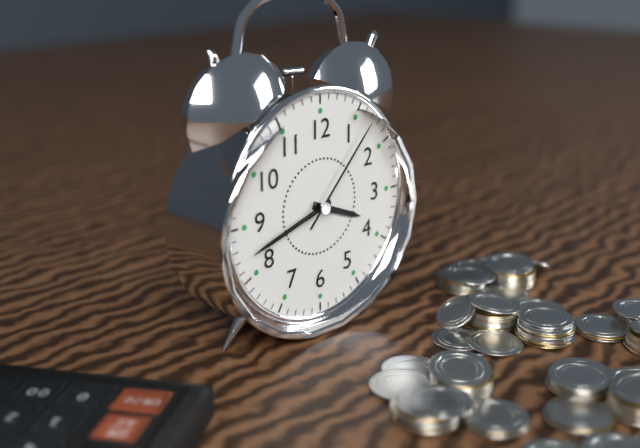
3 h 42 min 07 s
